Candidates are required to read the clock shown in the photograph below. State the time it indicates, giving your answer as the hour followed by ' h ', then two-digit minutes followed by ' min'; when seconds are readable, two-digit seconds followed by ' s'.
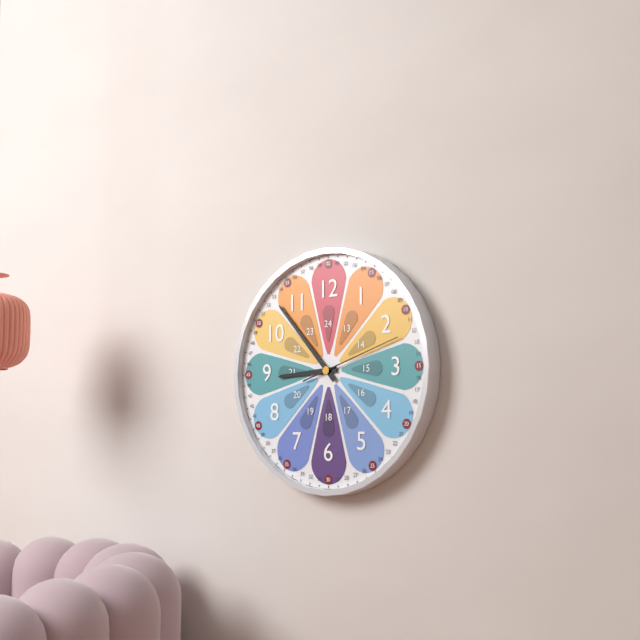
8 h 53 min 12 s
